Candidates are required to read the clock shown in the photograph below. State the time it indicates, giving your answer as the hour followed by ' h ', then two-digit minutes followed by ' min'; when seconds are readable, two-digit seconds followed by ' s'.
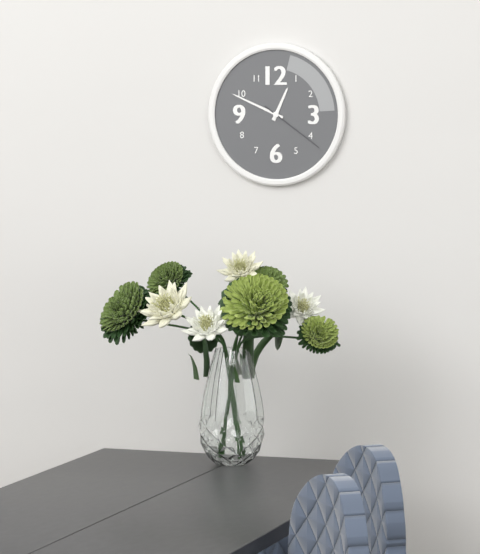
12 h 49 min 21 s
